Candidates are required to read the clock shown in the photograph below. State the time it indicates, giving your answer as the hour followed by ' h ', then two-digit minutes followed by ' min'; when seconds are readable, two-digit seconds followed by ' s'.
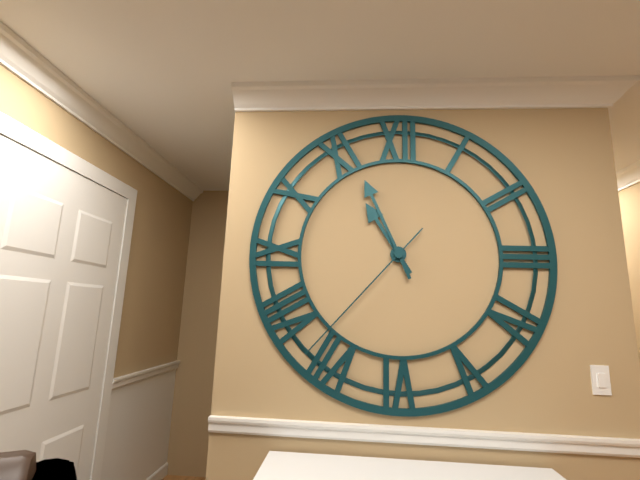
10 h 56 min 37 s
